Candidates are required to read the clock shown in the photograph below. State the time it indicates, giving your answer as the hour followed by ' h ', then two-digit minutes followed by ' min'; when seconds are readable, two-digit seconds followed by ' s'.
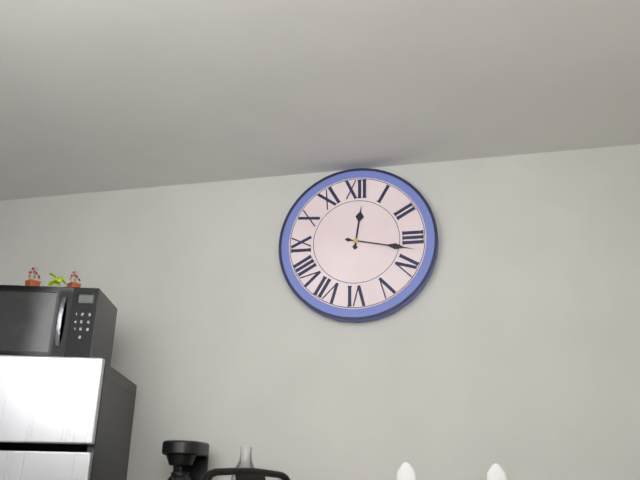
12 h 17 min
